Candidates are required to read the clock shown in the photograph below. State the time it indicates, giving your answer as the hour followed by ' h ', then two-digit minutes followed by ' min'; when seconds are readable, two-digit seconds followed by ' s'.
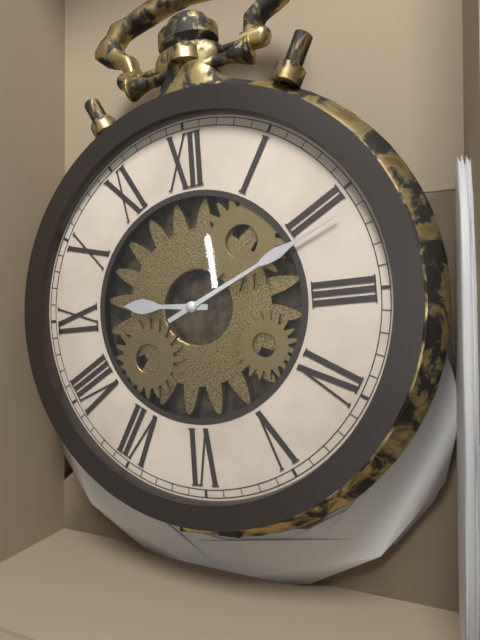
9 h 11 min
